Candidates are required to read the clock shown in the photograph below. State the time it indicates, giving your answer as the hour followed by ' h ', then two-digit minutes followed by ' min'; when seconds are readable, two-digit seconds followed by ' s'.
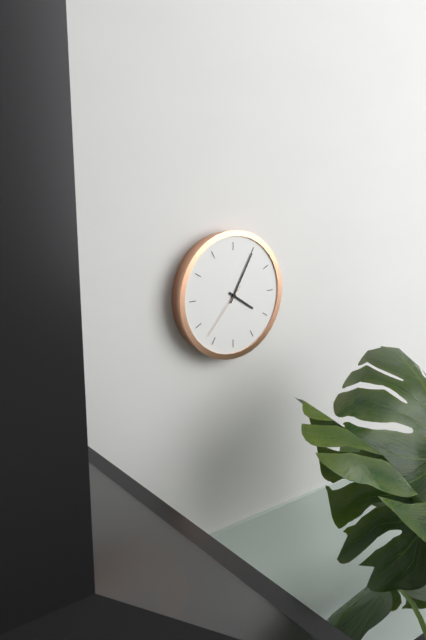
4 h 05 min 37 s
